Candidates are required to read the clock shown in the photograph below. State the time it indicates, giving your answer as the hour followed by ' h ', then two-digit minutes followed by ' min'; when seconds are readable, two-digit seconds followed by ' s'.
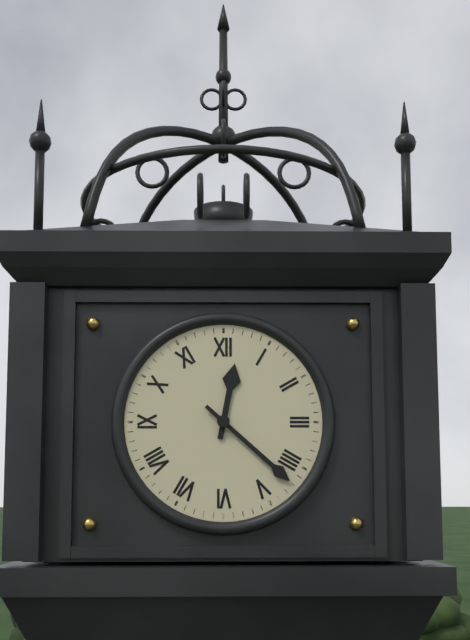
12 h 22 min
